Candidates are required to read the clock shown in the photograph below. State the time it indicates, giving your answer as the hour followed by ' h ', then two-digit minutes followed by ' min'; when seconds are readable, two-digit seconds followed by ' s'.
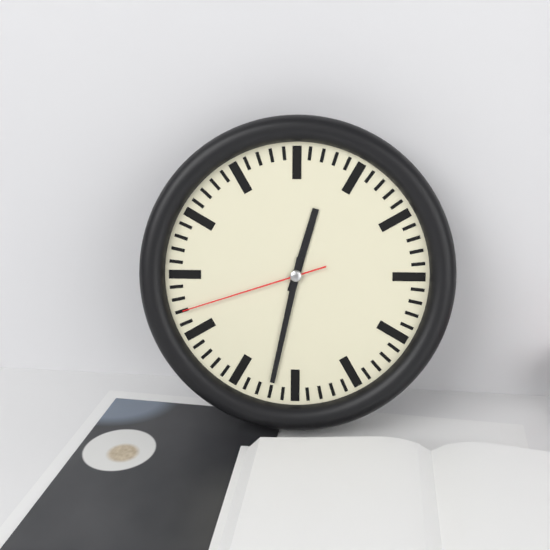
12 h 32 min 42 s
